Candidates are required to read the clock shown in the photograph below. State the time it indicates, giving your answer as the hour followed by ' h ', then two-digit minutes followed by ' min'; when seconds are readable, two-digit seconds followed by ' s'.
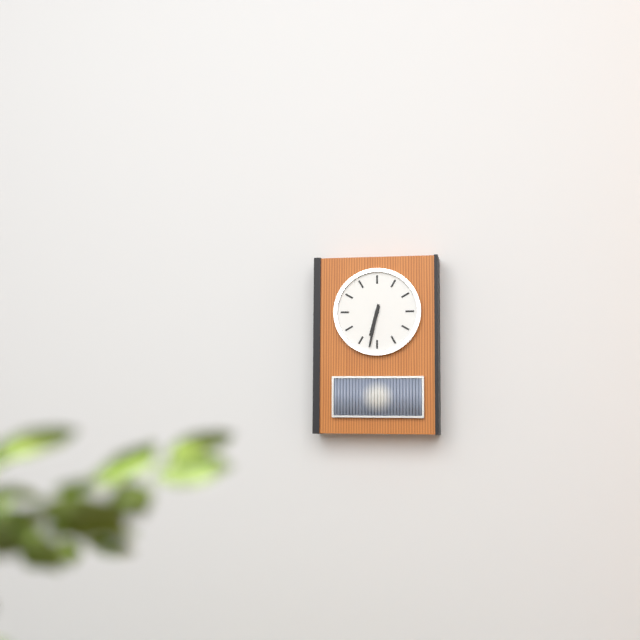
6 h 32 min
